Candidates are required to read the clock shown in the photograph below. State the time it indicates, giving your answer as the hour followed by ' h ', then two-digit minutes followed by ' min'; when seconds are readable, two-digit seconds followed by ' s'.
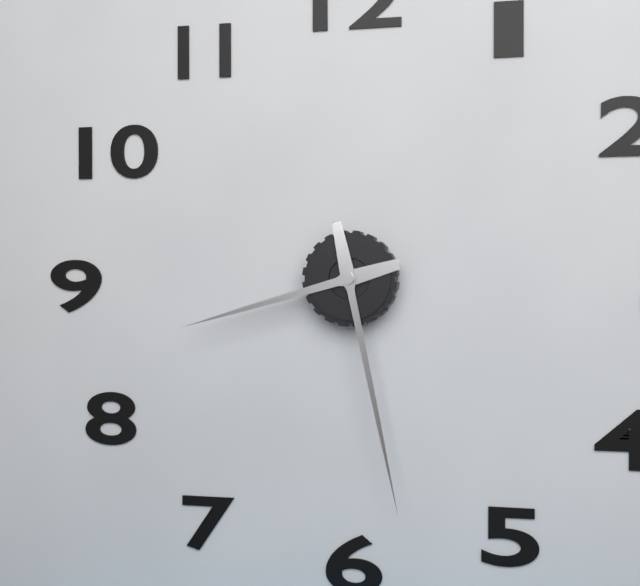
8 h 28 min
